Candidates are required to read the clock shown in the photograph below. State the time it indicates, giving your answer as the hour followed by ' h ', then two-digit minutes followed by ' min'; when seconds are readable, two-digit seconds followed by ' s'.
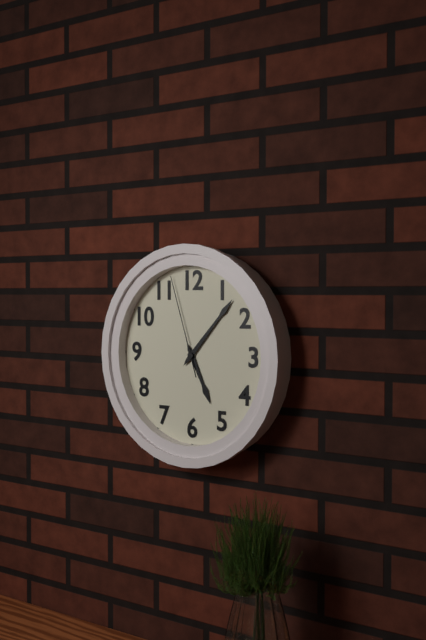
5 h 07 min 57 s
